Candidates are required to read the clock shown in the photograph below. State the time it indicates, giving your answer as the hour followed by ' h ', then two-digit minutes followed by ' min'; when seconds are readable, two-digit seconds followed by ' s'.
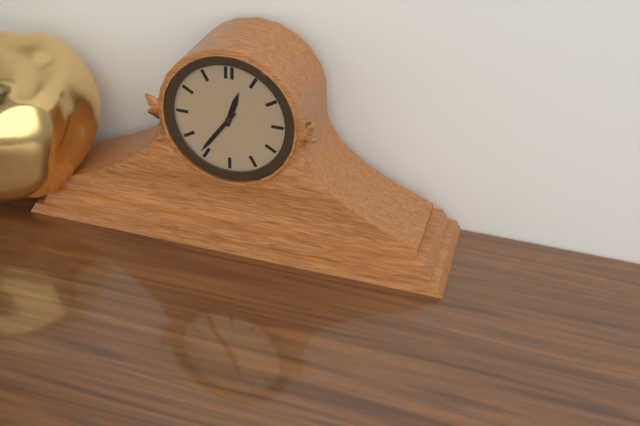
12 h 36 min
